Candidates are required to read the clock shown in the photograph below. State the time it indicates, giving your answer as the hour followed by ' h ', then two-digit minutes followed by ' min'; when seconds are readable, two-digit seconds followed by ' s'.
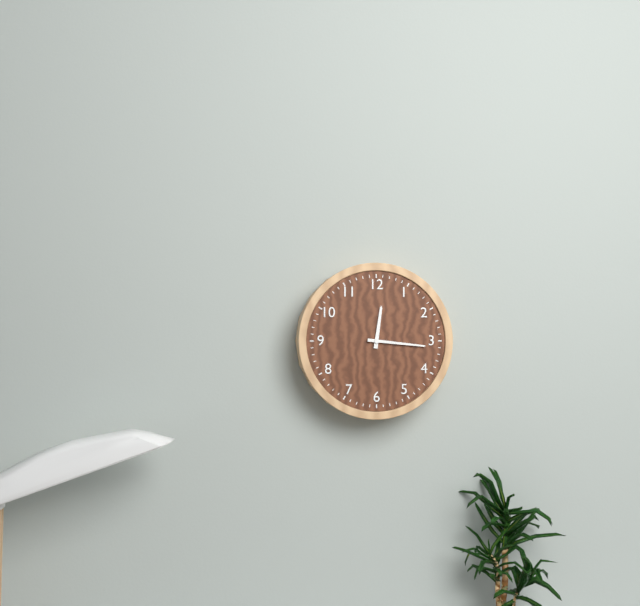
12 h 16 min
